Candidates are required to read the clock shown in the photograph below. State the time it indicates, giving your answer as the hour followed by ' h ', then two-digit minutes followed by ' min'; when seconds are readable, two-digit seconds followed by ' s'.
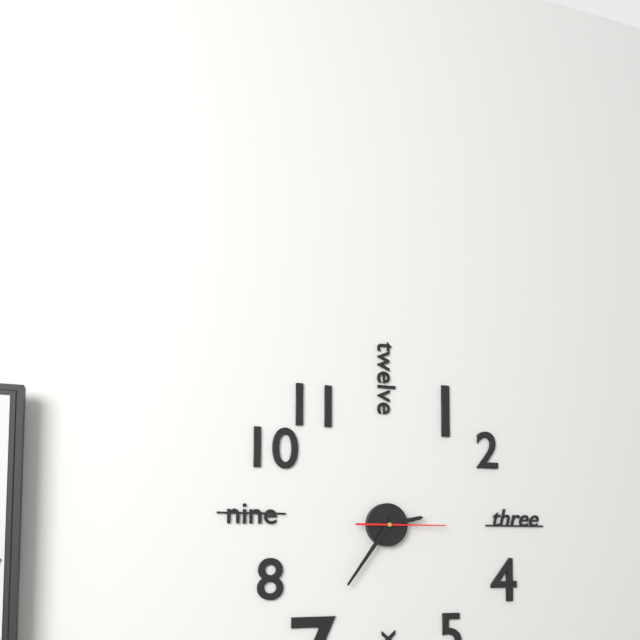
2 h 36 min 15 s
